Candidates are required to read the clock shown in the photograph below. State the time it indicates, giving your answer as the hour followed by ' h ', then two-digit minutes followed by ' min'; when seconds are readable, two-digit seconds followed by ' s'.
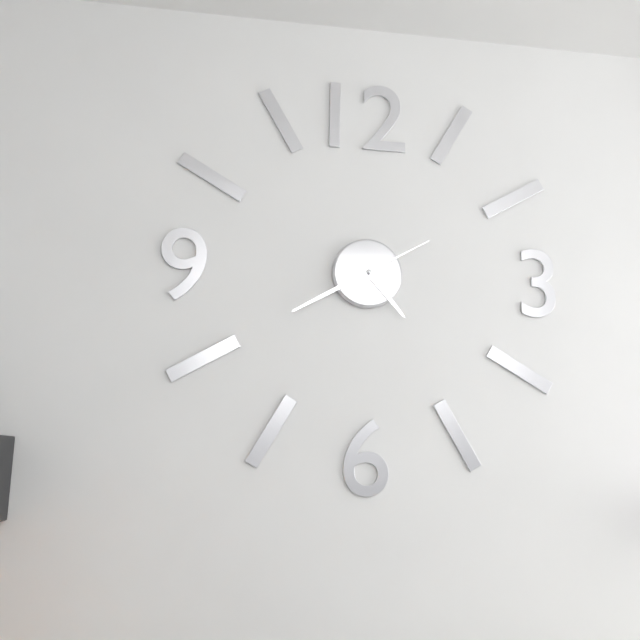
4 h 40 min 10 s
